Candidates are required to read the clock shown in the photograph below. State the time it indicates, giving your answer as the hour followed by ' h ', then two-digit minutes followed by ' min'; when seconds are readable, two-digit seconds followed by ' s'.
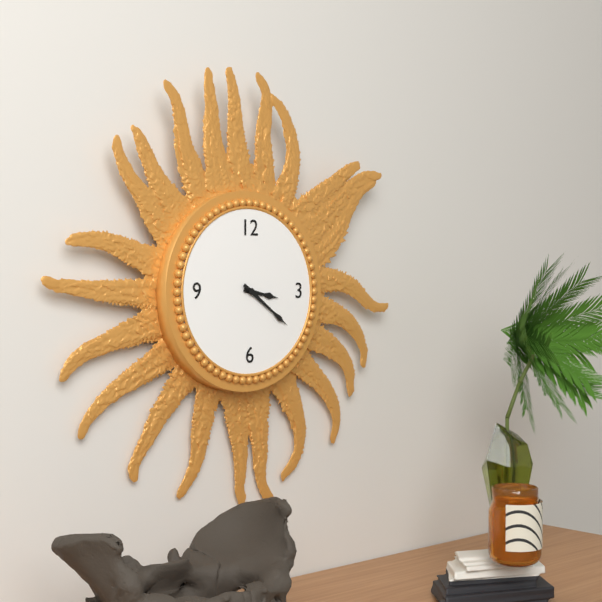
3 h 21 min
